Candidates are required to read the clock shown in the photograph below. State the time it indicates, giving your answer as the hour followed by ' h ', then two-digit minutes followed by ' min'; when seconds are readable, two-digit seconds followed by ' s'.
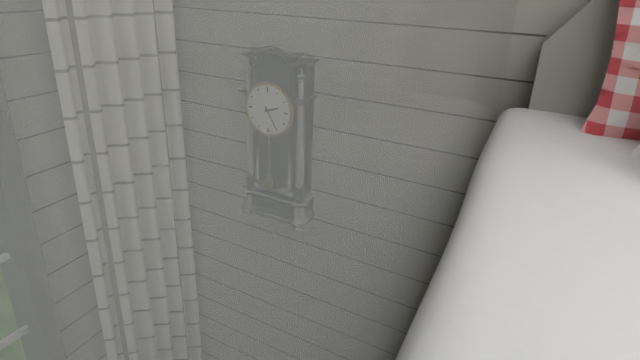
2 h 25 min
